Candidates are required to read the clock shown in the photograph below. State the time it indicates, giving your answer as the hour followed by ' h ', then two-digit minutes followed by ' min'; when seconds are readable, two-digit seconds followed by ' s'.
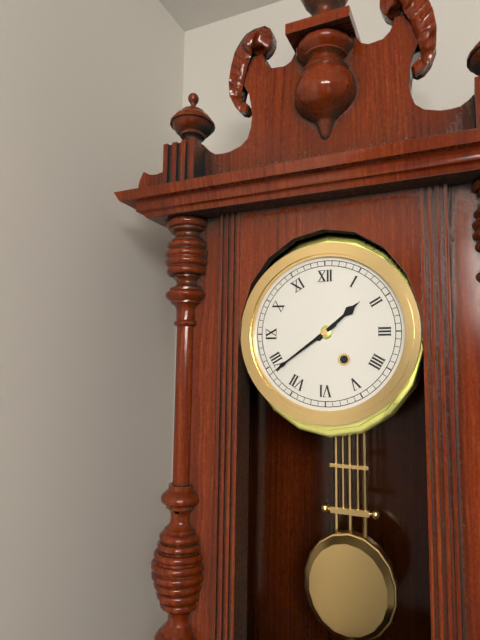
1 h 39 min
